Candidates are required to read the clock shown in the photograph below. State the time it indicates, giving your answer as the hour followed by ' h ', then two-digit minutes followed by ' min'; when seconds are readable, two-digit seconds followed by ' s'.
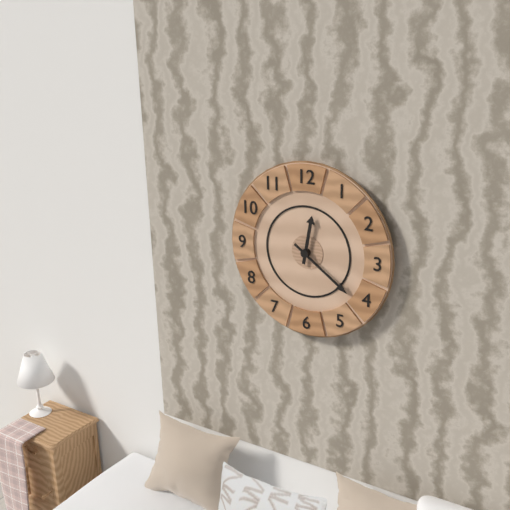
12 h 21 min
